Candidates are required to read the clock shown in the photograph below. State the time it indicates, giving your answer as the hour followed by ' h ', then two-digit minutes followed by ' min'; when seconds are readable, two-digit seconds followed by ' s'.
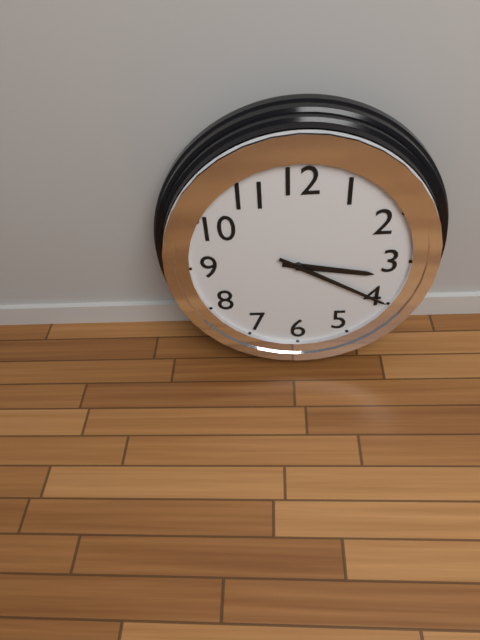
3 h 20 min
